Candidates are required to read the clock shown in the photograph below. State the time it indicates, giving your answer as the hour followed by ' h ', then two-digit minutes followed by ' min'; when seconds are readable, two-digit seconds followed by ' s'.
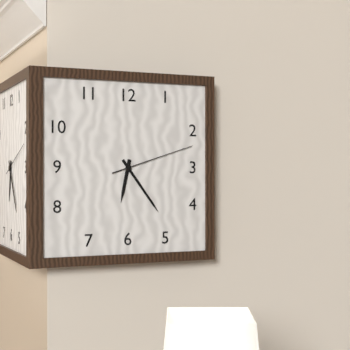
6 h 24 min 12 s
